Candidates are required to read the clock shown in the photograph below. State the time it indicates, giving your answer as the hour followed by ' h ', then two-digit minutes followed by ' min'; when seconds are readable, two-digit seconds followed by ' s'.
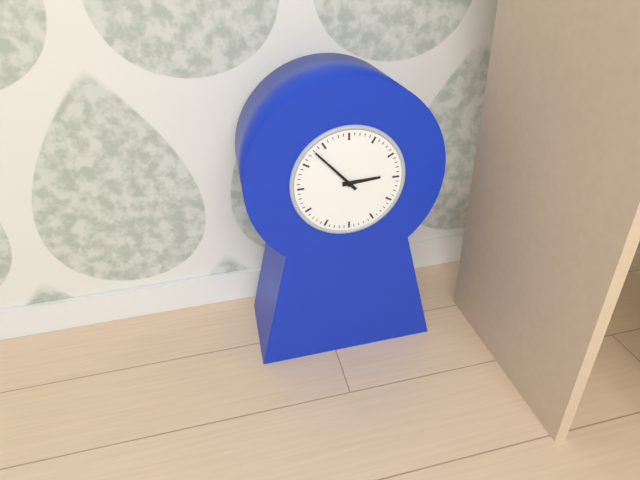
2 h 53 min
